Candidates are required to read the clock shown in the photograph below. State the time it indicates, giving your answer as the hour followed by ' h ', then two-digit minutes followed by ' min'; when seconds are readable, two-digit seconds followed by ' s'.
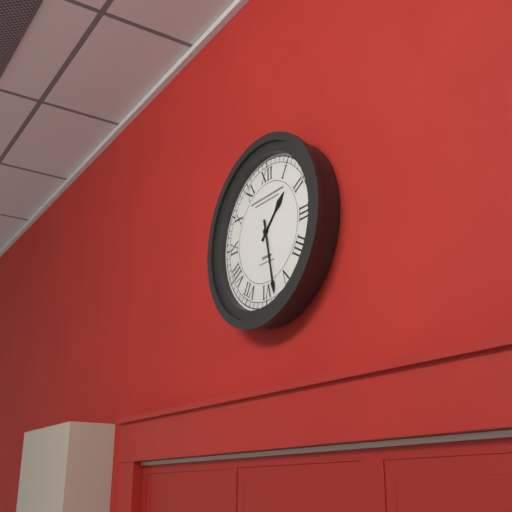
1 h 28 min
